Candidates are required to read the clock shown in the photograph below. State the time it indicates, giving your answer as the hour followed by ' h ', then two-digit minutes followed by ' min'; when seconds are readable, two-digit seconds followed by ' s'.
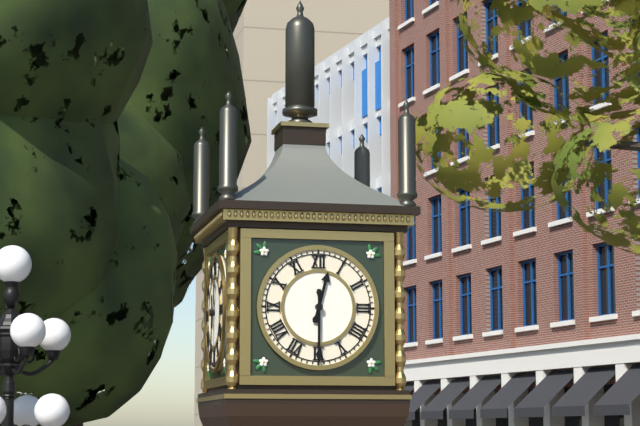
12 h 30 min
